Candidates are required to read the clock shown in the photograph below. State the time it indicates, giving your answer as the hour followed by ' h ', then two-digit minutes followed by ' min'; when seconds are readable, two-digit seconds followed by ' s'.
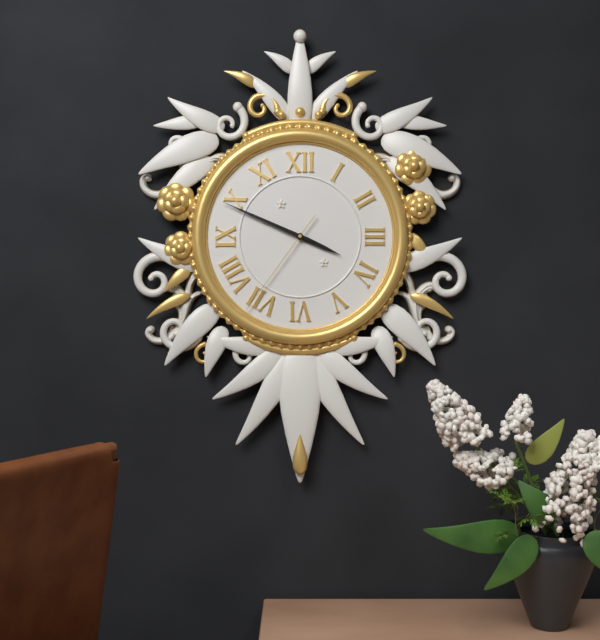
3 h 49 min 36 s
